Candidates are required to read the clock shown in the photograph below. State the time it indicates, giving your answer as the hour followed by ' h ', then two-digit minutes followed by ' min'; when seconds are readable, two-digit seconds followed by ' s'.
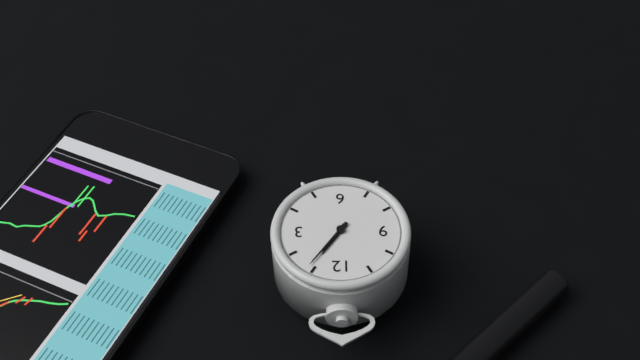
1 h 06 min
